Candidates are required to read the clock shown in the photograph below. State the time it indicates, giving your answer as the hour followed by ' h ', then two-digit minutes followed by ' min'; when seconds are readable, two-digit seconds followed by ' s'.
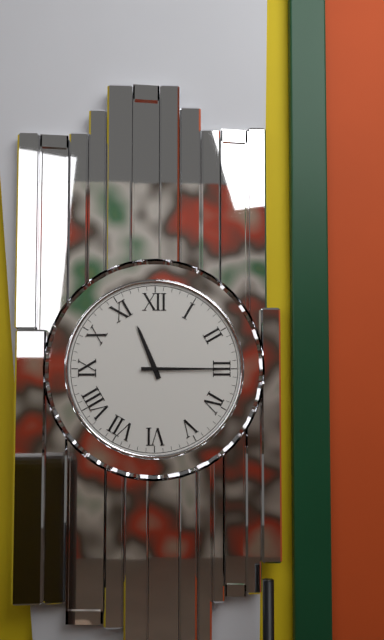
11 h 15 min
